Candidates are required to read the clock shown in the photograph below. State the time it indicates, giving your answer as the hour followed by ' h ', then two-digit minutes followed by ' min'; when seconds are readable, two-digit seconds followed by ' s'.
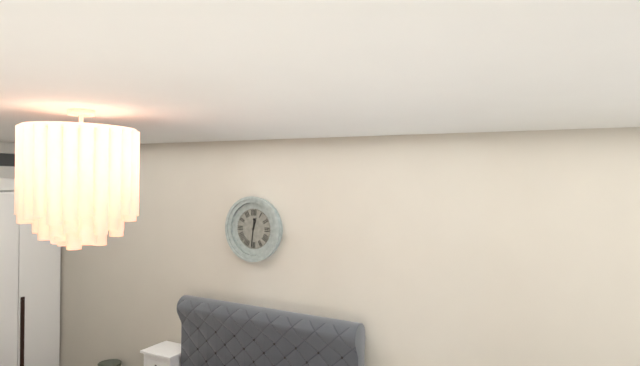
12 h 31 min
